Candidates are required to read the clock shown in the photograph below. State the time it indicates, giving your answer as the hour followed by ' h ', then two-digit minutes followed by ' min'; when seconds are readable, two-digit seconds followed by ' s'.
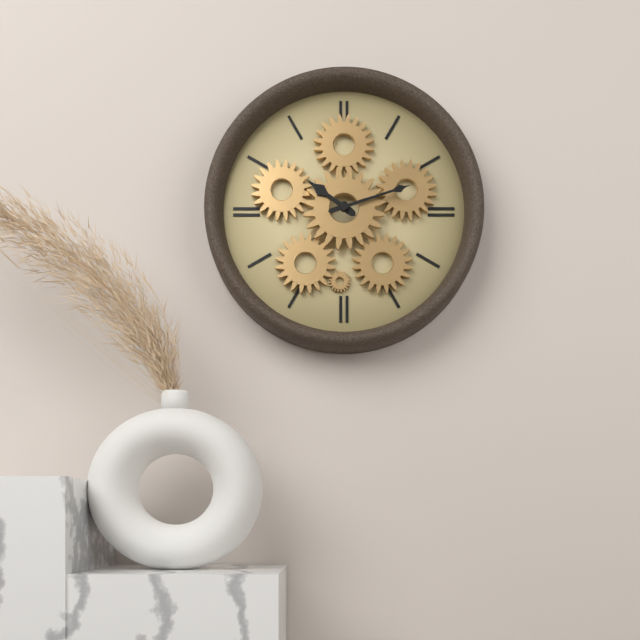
10 h 12 min
